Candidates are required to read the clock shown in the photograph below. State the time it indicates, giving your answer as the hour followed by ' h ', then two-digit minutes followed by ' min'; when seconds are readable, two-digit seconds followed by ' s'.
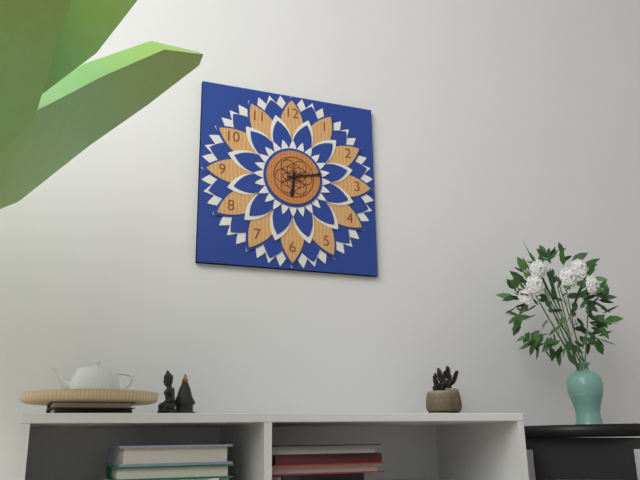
6 h 13 min
